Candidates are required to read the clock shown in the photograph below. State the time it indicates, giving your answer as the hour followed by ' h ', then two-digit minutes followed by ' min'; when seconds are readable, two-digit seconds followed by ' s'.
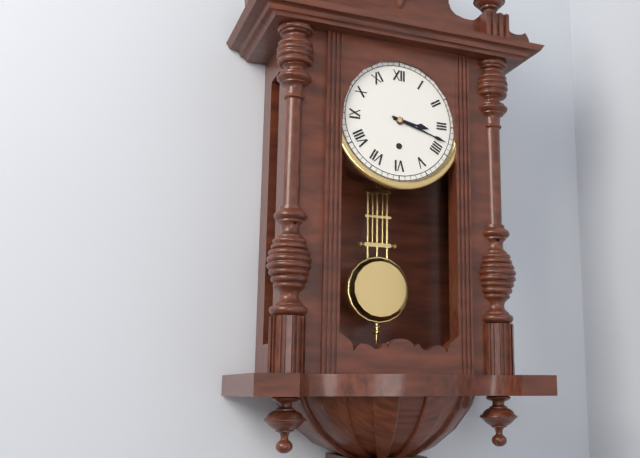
3 h 18 min
